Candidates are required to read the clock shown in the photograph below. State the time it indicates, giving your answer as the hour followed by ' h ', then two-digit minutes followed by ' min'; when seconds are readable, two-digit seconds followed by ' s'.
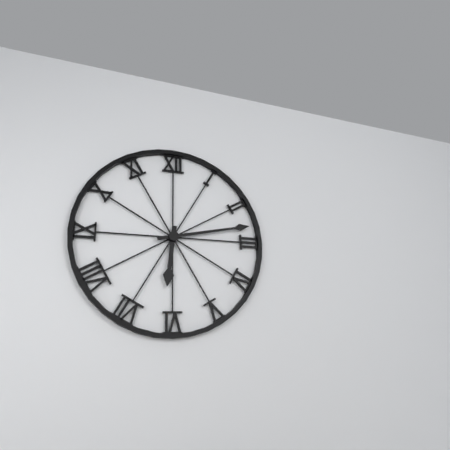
6 h 13 min
